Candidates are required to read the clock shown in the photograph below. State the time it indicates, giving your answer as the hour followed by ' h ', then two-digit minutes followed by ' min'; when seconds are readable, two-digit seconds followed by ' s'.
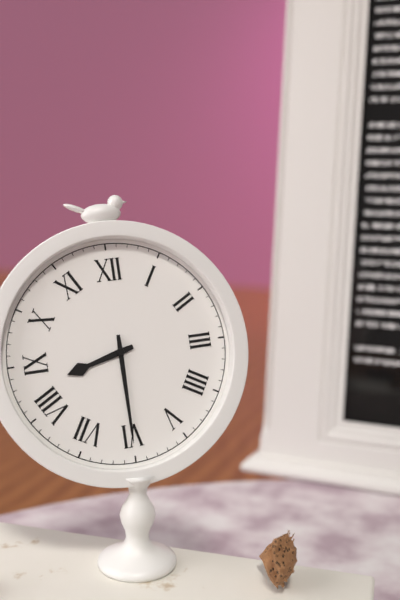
8 h 30 min
